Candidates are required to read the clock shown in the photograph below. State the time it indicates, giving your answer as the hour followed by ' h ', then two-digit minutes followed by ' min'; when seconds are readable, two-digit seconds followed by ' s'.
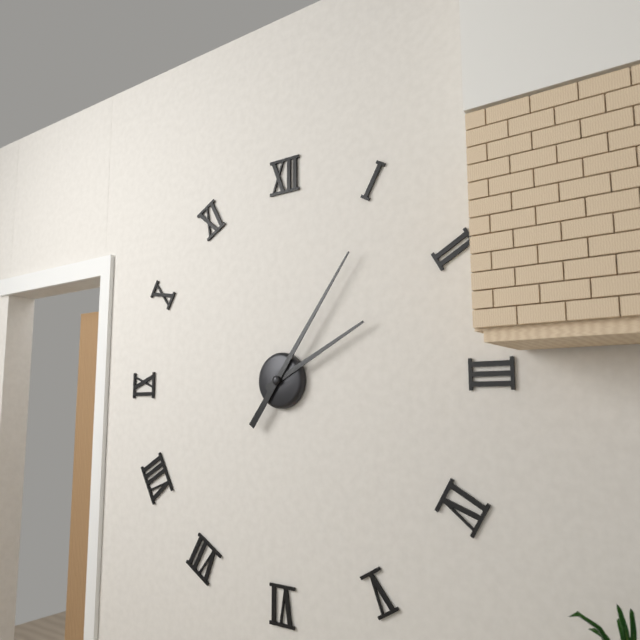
2 h 06 min
